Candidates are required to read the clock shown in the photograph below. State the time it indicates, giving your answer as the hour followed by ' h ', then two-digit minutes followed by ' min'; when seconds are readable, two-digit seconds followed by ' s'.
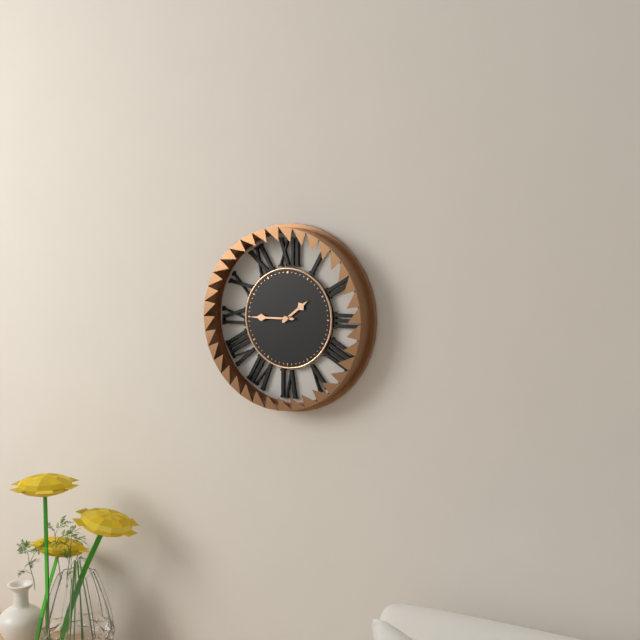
1 h 45 min
